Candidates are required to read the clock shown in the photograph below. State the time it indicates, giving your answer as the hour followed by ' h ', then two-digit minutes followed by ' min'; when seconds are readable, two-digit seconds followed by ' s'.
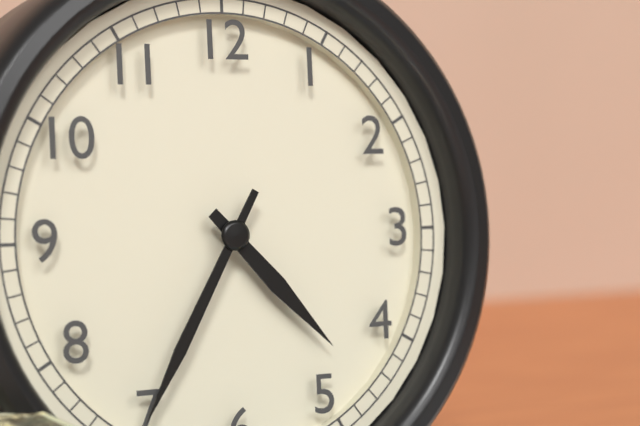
4 h 35 min
